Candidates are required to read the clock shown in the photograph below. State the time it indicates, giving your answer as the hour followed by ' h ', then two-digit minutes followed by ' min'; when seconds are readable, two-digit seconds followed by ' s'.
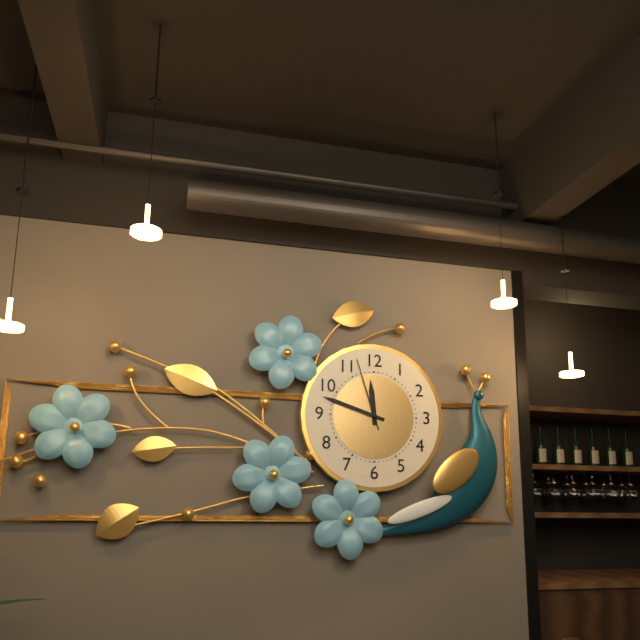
11 h 48 min 57 s
